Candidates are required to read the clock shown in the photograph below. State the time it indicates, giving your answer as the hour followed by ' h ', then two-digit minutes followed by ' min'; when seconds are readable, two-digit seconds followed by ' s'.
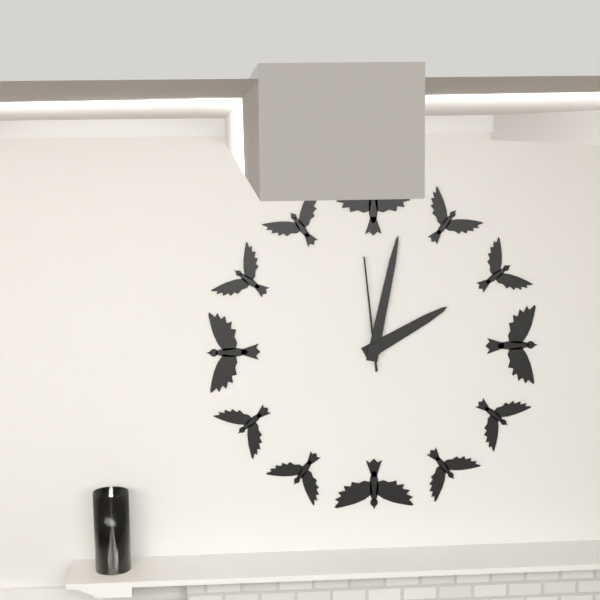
2 h 02 min 59 s
